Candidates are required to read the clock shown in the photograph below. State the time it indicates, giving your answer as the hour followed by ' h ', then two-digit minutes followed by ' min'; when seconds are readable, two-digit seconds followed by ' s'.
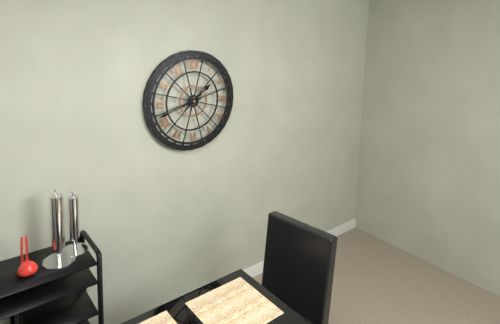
1 h 42 min
